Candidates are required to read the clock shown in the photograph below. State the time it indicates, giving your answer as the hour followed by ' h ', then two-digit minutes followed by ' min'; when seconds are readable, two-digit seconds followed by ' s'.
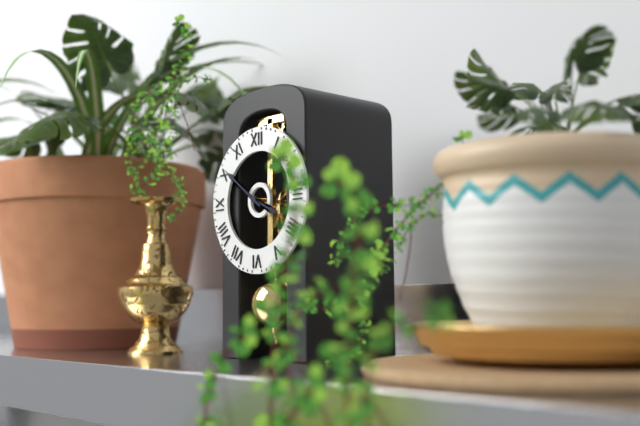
3 h 51 min
